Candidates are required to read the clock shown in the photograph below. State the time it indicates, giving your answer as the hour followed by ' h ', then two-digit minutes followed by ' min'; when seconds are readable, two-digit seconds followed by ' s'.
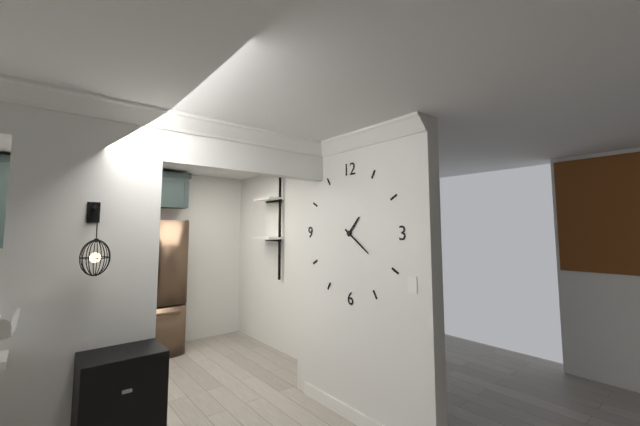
1 h 21 min
